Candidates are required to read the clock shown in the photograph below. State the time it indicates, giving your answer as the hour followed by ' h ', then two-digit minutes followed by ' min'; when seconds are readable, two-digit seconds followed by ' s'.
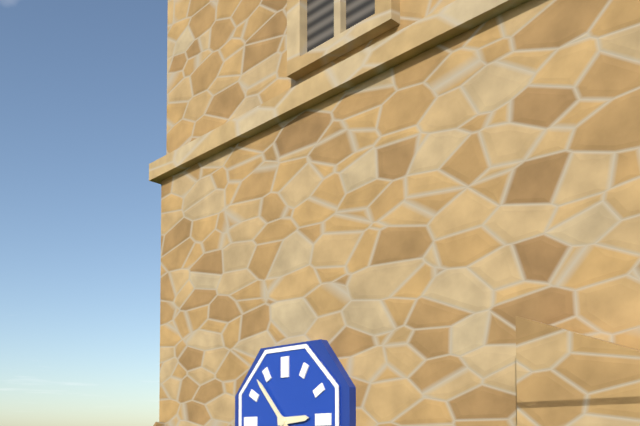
2 h 53 min
